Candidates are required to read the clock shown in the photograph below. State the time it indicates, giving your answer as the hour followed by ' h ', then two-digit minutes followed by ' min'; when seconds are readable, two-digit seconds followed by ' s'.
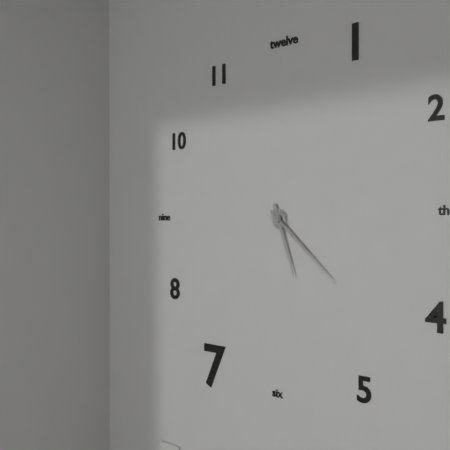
5 h 22 min
